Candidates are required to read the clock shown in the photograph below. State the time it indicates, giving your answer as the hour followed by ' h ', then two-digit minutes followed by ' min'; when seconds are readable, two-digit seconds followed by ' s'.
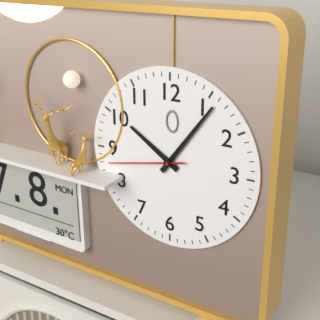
10 h 06 min 43 s
